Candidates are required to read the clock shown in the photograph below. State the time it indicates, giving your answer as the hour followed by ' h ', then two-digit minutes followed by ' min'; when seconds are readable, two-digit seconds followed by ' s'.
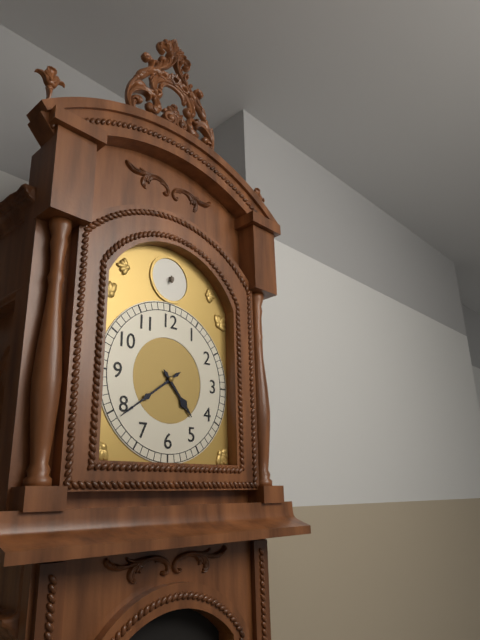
4 h 39 min
